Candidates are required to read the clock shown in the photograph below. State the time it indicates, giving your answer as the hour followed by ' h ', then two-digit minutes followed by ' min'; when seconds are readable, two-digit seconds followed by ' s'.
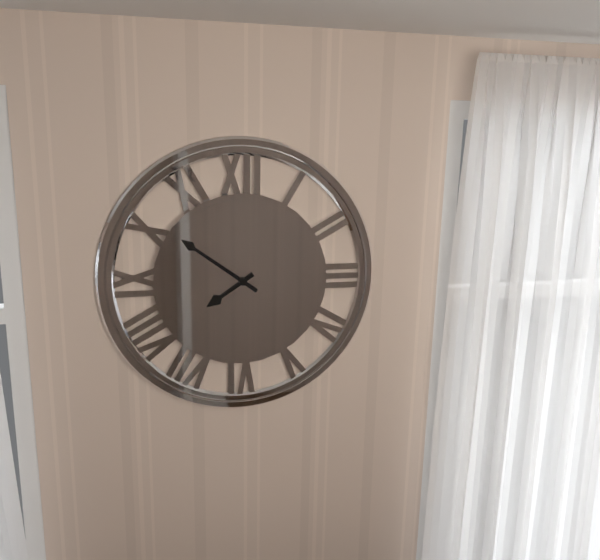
7 h 51 min
